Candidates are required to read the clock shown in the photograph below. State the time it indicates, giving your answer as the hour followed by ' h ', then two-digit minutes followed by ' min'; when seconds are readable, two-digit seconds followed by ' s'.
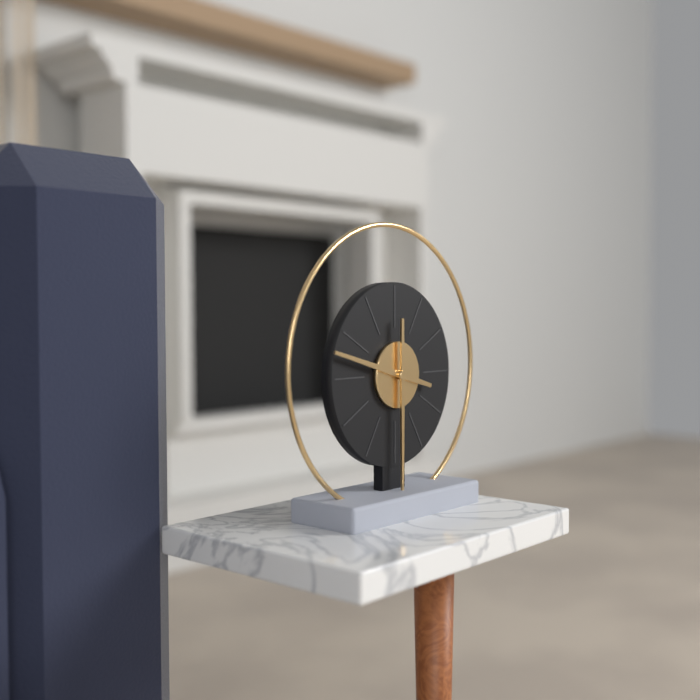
9 h 30 min
